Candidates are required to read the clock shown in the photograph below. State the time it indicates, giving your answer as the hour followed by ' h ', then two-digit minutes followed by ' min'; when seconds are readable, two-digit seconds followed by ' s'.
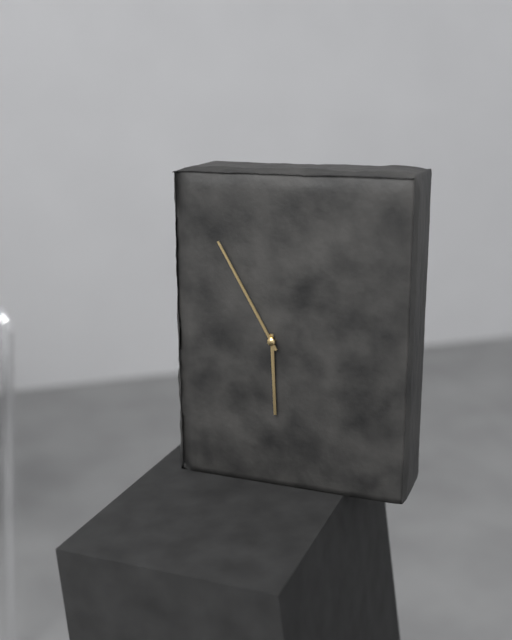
5 h 55 min
